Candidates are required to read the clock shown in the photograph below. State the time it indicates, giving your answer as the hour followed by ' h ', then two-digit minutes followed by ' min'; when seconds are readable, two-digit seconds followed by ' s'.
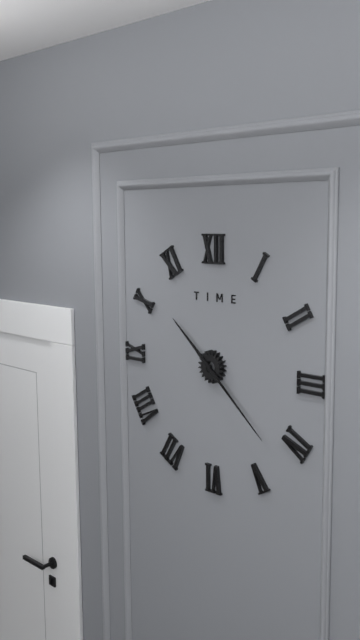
10 h 22 min
